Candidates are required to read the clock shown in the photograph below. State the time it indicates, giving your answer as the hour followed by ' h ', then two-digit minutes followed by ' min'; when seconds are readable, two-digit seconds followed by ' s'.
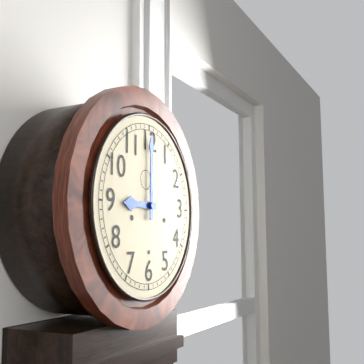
9 h 00 min
